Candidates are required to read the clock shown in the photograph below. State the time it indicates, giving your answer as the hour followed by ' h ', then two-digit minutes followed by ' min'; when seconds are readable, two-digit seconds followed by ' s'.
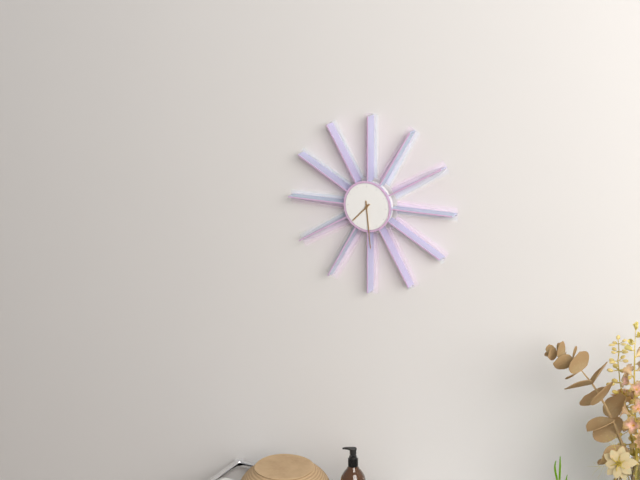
7 h 29 min
